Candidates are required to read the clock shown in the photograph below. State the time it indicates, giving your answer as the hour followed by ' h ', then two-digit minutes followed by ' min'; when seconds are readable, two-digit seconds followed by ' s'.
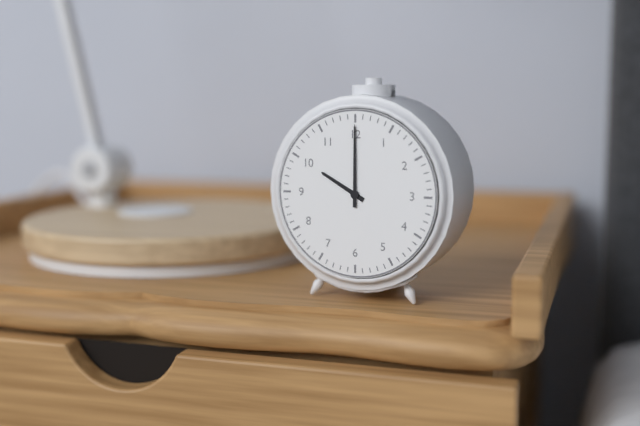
10 h 00 min
